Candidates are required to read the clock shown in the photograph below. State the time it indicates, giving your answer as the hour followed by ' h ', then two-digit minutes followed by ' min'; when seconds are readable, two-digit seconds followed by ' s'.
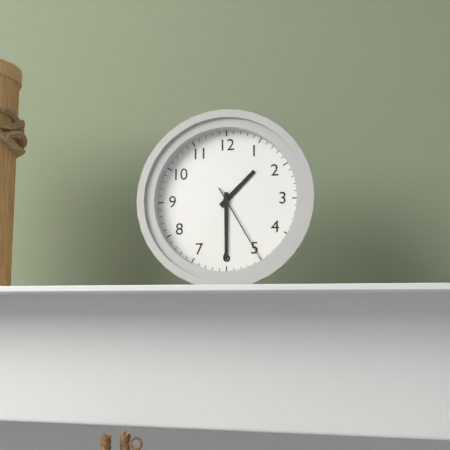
1 h 30 min 25 s
